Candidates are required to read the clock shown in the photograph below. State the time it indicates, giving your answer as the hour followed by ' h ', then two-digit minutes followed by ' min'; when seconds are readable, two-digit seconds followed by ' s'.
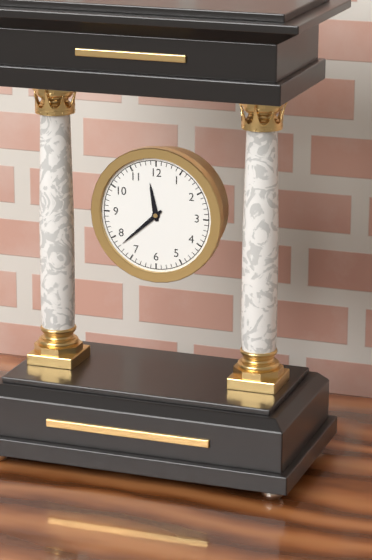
11 h 38 min
